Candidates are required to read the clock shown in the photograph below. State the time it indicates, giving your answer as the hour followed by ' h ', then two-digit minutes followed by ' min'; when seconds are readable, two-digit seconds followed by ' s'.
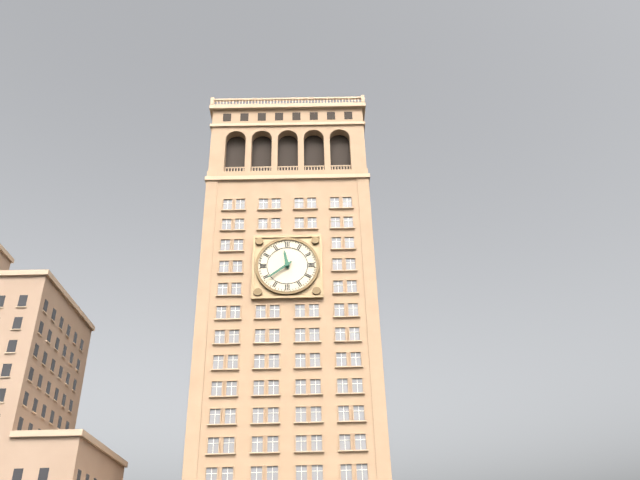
11 h 39 min
